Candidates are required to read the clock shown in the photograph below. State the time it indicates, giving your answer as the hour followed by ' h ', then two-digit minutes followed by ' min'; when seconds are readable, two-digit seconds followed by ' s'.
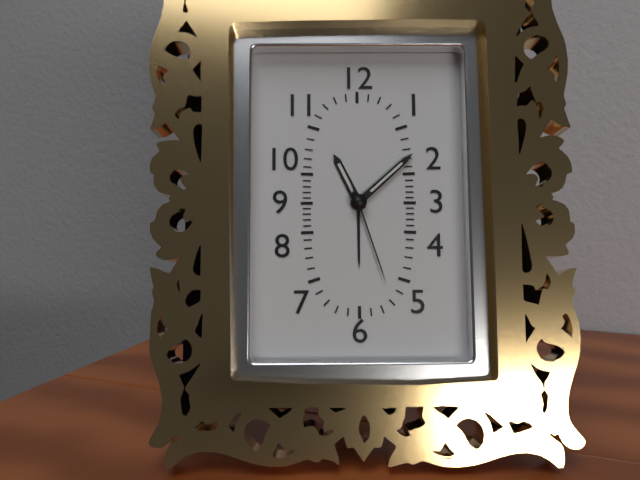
11 h 08 min 27 s
